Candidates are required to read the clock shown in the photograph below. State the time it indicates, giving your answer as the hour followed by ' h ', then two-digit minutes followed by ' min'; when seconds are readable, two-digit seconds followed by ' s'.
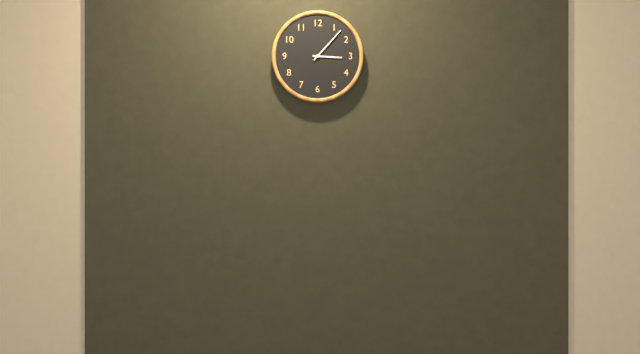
3 h 07 min
